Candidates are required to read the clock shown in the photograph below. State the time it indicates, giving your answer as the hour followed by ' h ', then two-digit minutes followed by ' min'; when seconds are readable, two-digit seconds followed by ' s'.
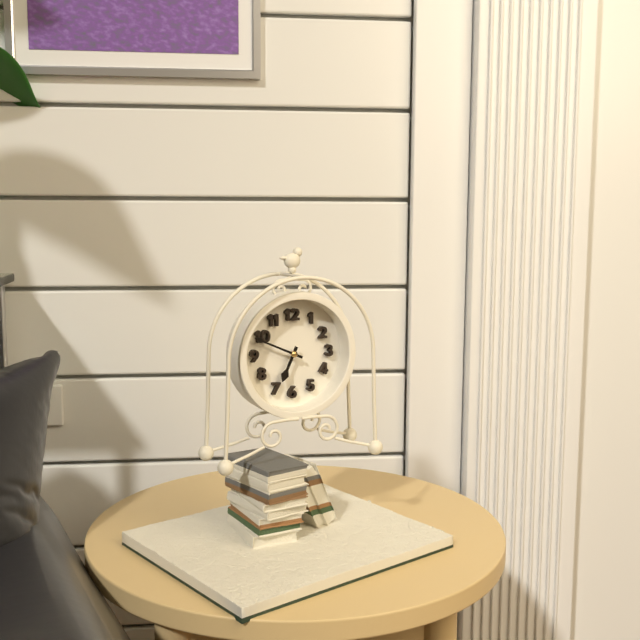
6 h 49 min
